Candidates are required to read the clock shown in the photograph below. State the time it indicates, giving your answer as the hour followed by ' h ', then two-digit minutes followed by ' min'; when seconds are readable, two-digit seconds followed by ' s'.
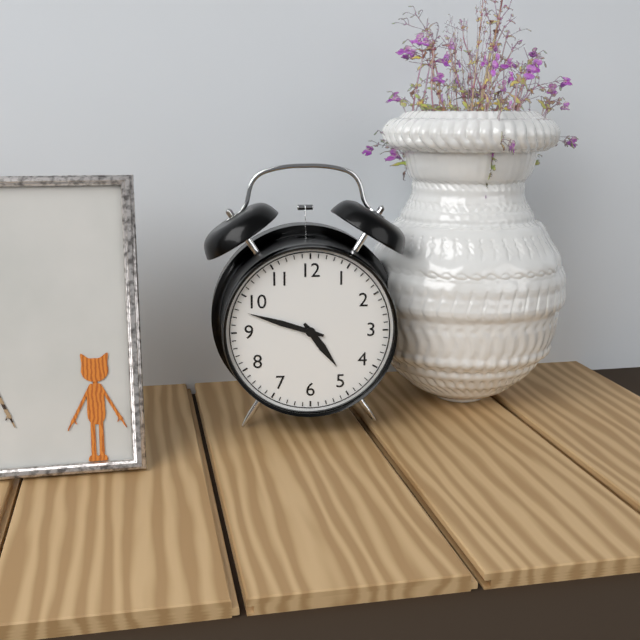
4 h 48 min
